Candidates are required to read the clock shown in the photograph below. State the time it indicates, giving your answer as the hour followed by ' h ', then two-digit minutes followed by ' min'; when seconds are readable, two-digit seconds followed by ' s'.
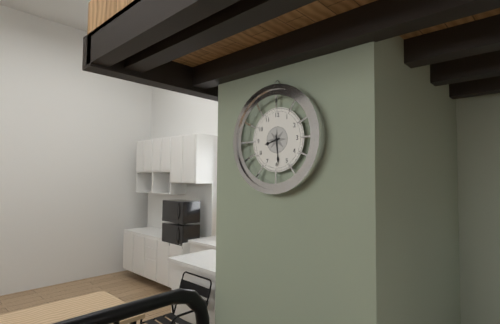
8 h 29 min
